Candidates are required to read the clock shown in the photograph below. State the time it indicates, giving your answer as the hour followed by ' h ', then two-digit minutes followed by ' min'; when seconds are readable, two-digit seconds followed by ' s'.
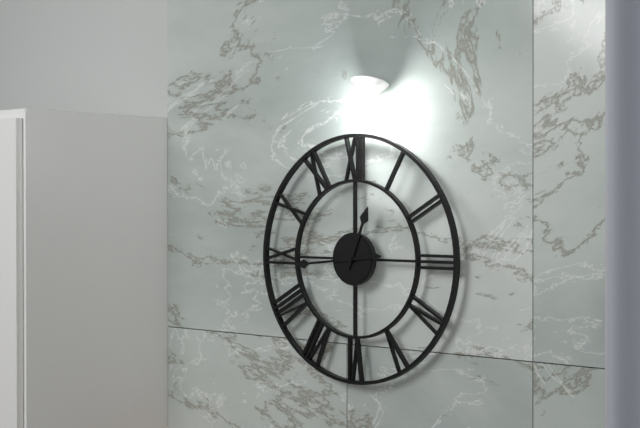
12 h 44 min
